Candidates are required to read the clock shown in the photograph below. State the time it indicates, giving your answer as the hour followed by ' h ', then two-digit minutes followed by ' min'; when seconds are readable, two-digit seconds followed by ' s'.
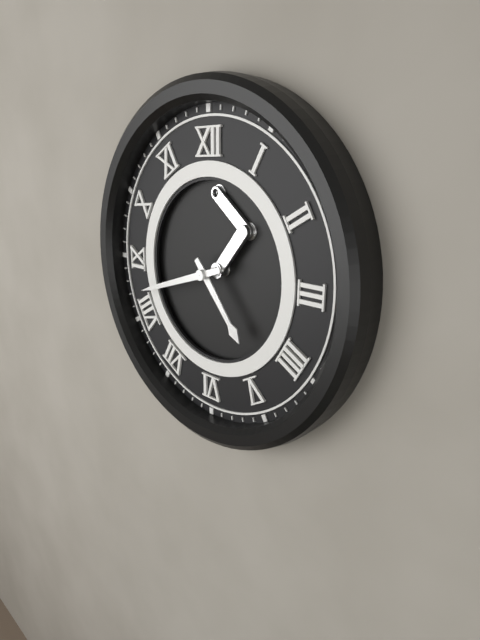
4 h 42 min
